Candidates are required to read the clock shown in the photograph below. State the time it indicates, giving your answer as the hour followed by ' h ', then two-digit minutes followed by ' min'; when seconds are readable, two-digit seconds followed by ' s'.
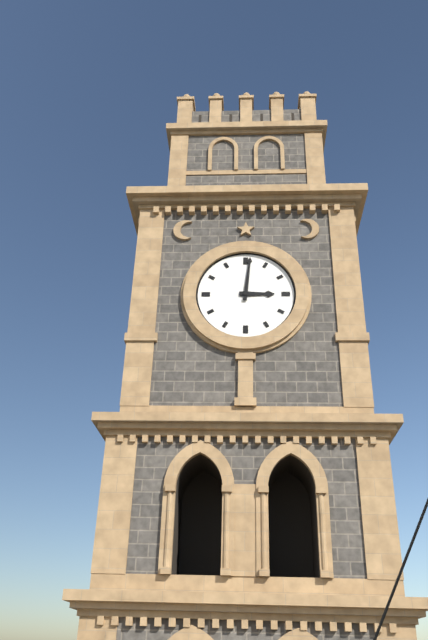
3 h 01 min
